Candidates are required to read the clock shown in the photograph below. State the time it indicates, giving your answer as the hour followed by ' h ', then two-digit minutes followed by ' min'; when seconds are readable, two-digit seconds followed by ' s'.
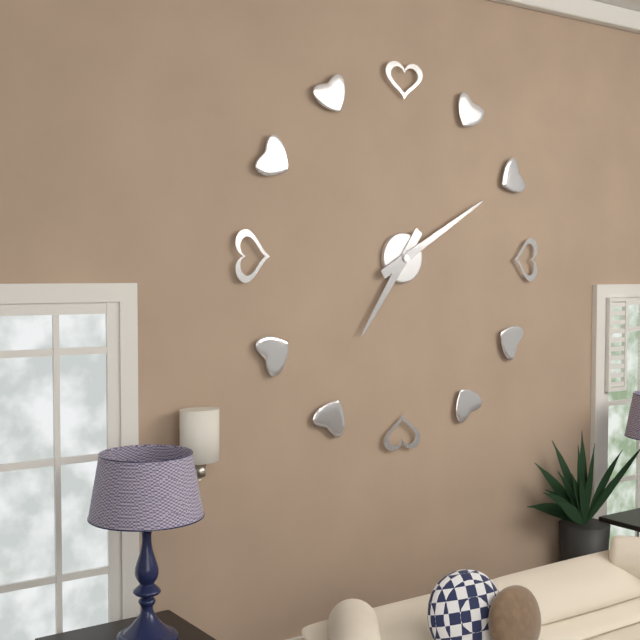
7 h 10 min
